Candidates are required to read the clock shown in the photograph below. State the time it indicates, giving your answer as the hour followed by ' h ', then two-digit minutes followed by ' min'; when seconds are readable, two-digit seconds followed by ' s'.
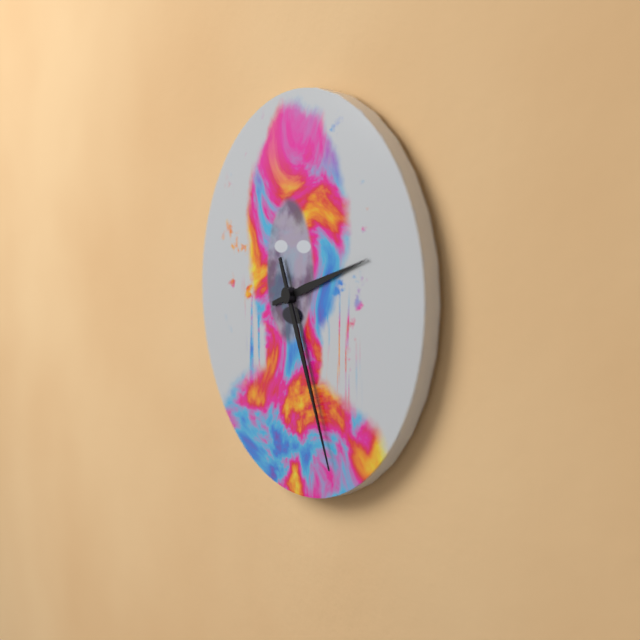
2 h 26 min
